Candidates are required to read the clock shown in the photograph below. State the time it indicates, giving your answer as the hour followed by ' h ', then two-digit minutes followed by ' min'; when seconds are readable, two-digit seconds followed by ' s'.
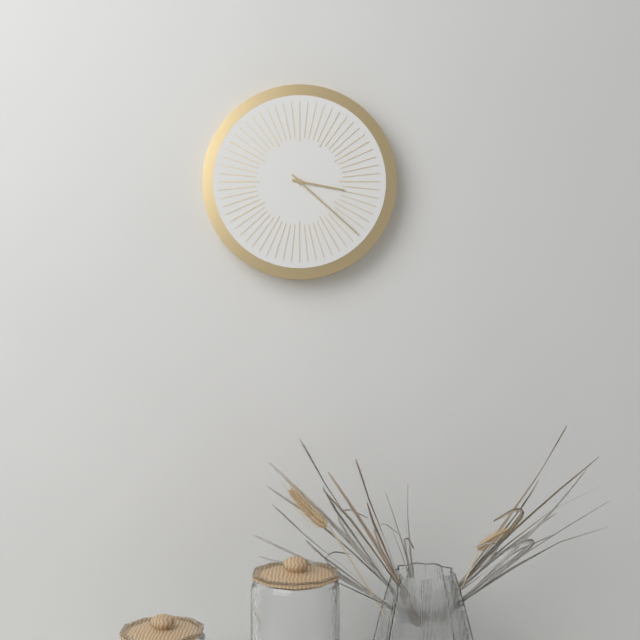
3 h 22 min
